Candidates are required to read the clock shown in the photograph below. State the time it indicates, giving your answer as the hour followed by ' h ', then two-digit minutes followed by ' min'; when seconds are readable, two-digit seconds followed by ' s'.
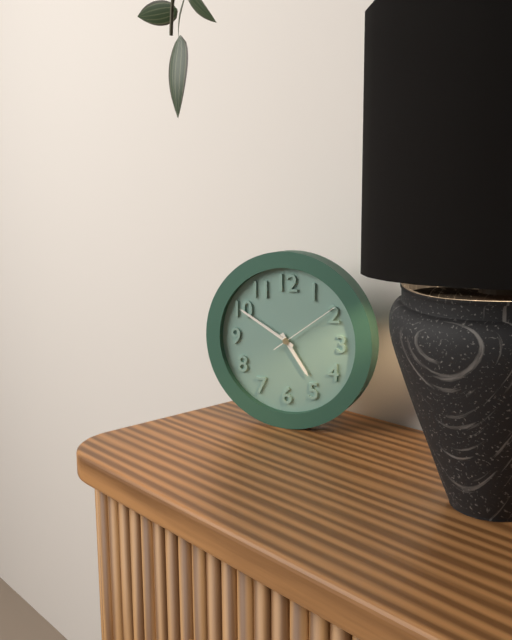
4 h 50 min 09 s
